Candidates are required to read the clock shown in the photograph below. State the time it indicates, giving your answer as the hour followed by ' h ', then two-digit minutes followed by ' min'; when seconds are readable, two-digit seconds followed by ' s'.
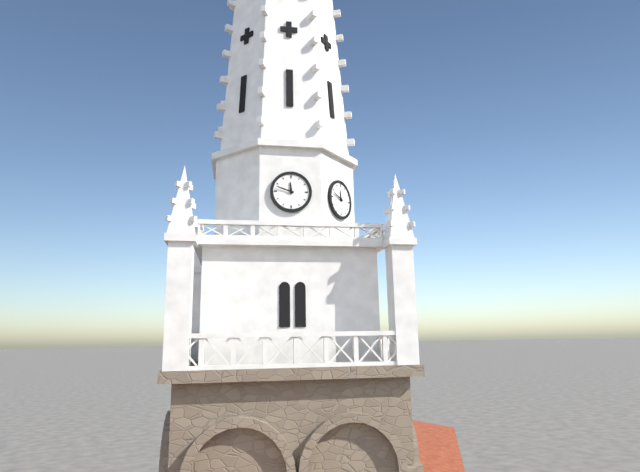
11 h 48 min
